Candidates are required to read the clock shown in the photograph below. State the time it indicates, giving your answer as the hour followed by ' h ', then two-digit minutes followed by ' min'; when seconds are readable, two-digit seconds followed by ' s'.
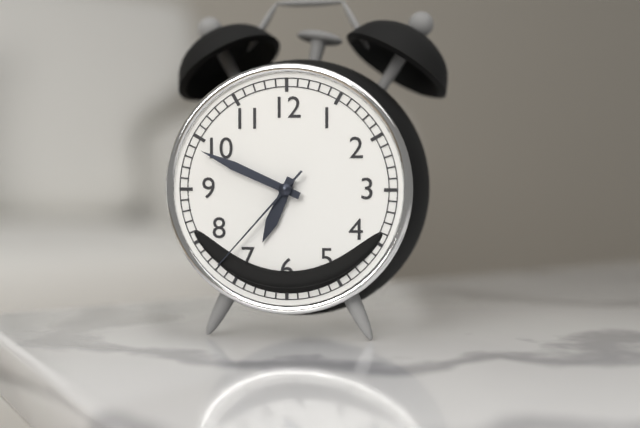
6 h 49 min 37 s
